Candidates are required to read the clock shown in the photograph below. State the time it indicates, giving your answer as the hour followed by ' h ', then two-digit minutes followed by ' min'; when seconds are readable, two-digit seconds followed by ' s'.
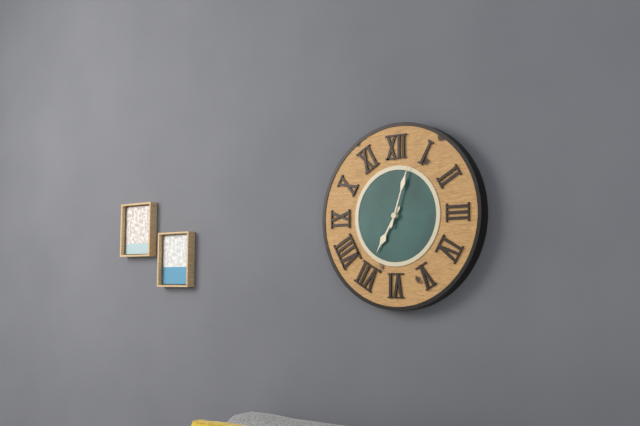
7 h 03 min
